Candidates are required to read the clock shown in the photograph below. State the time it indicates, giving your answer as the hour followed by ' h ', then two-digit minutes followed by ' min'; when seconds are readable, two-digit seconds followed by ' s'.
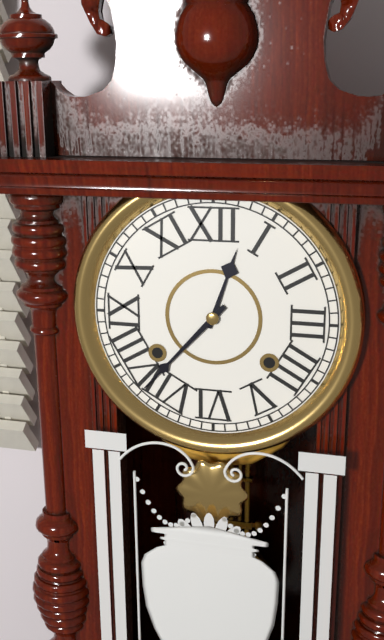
12 h 37 min
